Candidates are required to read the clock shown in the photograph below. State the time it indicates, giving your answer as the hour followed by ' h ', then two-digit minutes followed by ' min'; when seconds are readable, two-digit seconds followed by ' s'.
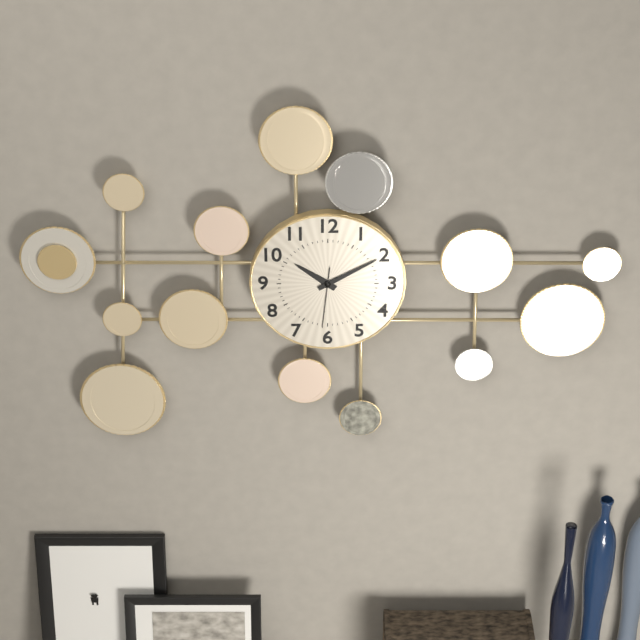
10 h 10 min 31 s
